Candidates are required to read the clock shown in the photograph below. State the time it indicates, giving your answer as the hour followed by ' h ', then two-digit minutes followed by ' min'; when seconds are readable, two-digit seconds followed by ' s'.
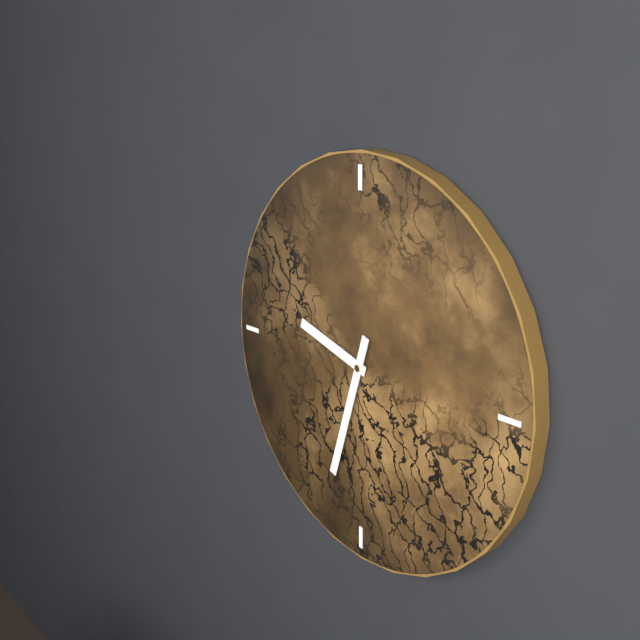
9 h 33 min
